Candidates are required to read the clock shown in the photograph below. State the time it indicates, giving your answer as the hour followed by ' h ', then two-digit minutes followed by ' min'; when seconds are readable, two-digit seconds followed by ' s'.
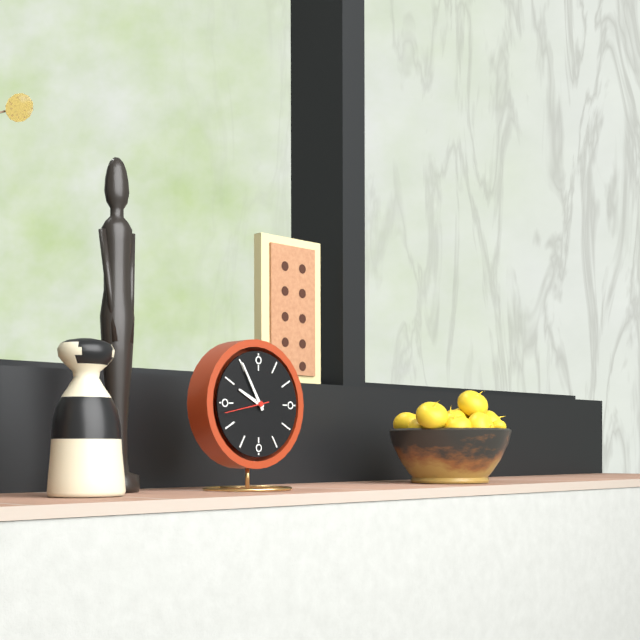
9 h 55 min
